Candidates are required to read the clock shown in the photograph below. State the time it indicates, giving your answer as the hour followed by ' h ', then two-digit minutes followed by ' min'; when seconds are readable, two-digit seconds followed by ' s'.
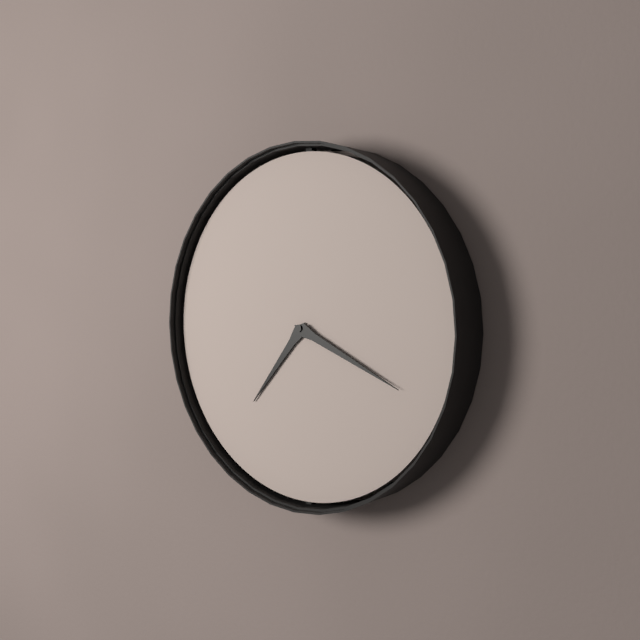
7 h 19 min
